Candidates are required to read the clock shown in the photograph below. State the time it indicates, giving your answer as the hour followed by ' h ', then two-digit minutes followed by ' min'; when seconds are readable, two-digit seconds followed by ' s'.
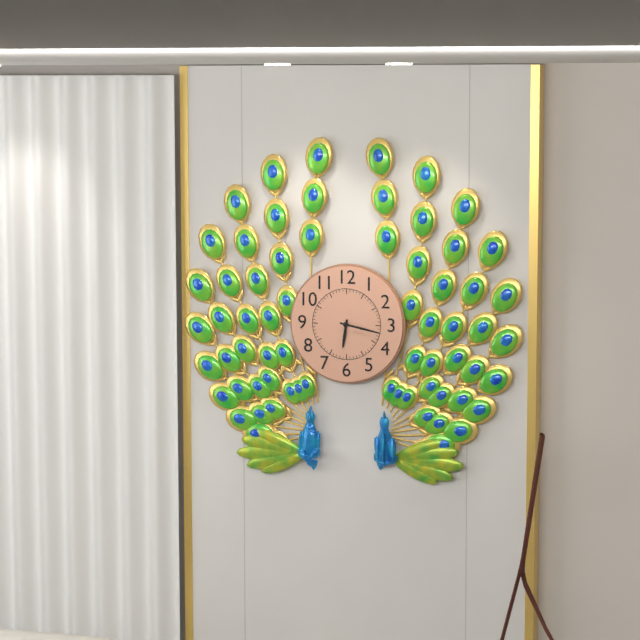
6 h 17 min
